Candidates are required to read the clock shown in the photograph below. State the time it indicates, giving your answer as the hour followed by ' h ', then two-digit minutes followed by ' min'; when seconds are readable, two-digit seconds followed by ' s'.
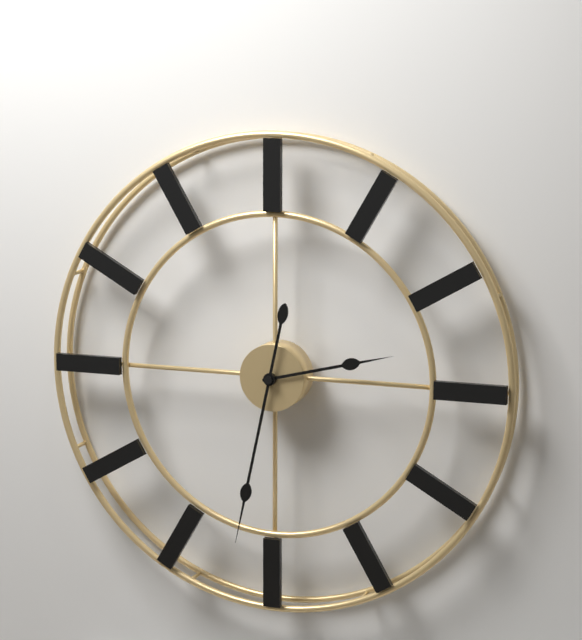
2 h 32 min
